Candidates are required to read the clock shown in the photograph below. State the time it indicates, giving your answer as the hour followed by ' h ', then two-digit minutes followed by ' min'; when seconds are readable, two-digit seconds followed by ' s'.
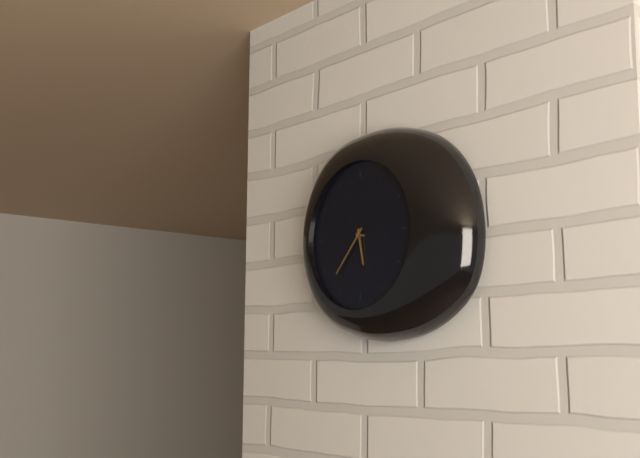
5 h 37 min
